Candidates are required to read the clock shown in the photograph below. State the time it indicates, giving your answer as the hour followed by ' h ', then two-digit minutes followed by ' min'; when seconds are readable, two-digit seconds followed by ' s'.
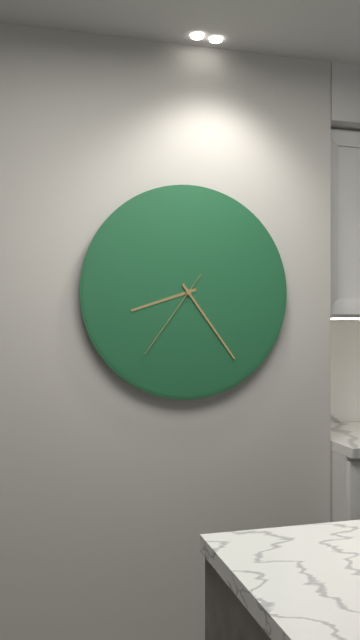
8 h 24 min 36 s
